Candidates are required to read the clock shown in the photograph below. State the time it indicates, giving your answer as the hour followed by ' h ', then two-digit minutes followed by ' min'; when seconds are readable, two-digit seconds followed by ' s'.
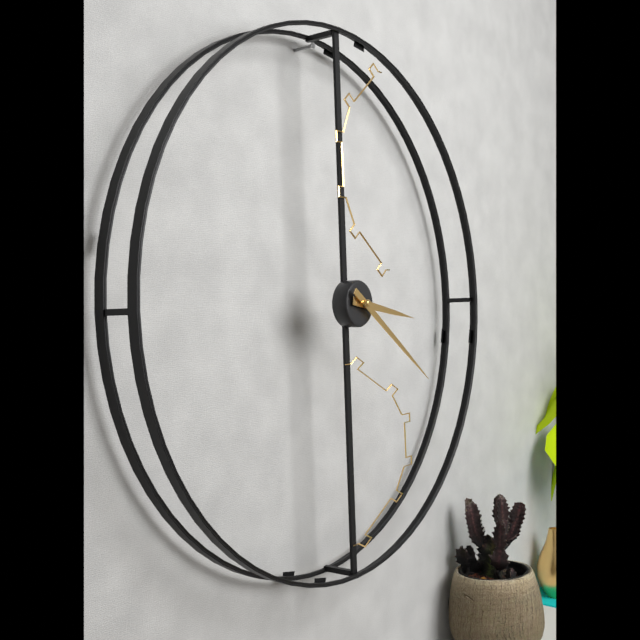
3 h 21 min
